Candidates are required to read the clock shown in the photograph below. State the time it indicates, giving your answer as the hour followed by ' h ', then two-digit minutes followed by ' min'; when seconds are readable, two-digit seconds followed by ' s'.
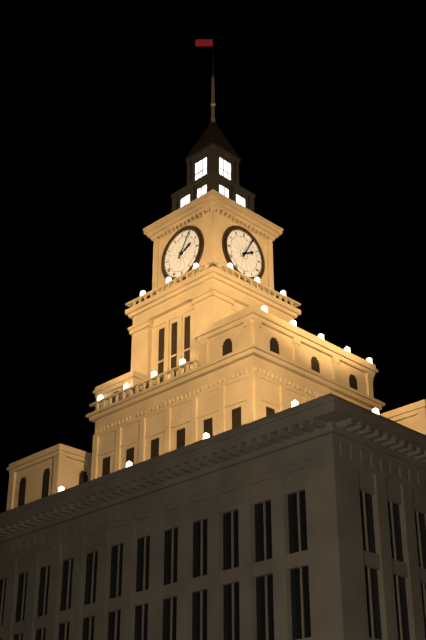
2 h 05 min
